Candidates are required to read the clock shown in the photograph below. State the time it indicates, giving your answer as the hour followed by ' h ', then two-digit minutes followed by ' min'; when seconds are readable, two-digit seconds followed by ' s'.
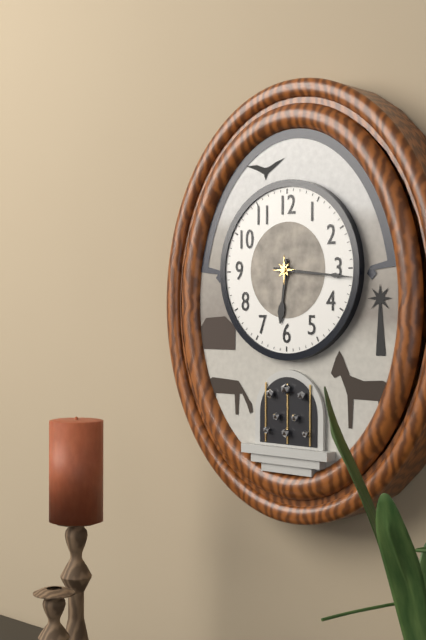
6 h 16 min
